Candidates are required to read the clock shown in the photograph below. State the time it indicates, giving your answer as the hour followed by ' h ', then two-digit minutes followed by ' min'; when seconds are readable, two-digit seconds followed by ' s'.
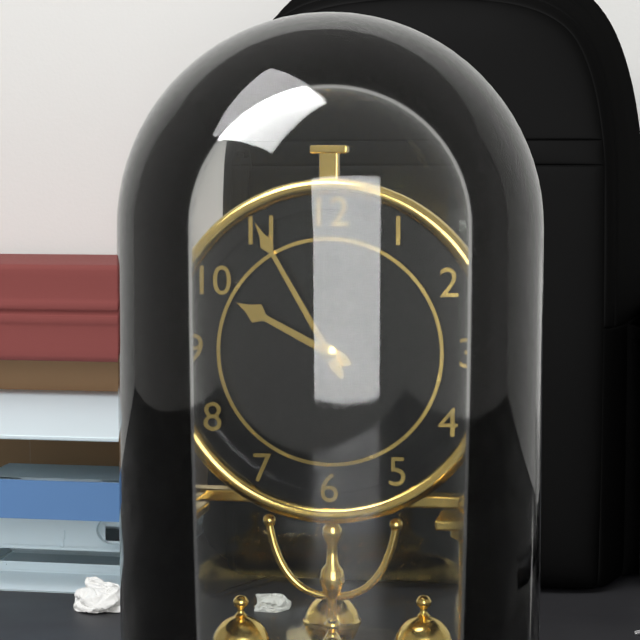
9 h 55 min
